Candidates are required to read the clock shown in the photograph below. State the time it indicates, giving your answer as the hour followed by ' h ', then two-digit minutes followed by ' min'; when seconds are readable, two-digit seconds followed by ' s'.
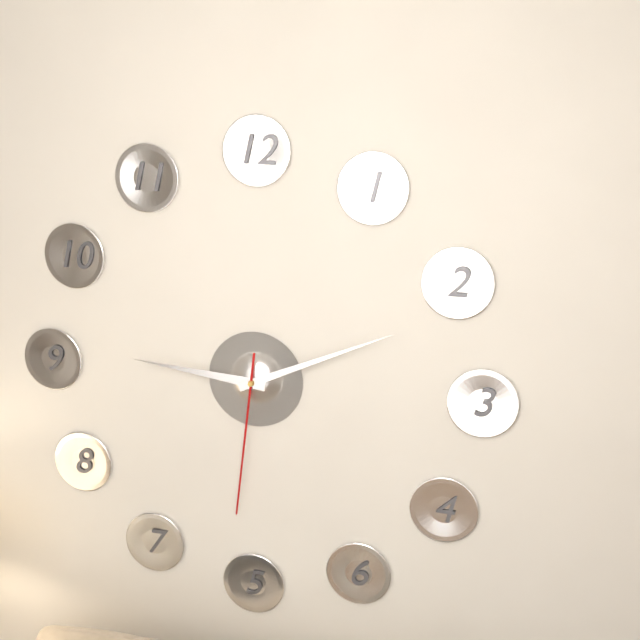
9 h 11 min 31 s
